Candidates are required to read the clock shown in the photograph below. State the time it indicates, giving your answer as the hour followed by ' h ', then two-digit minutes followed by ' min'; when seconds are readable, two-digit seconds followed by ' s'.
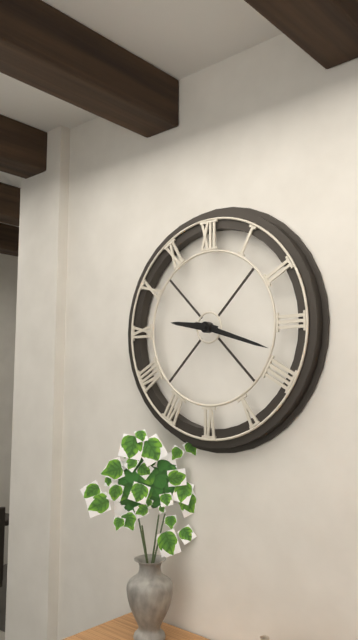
9 h 18 min
